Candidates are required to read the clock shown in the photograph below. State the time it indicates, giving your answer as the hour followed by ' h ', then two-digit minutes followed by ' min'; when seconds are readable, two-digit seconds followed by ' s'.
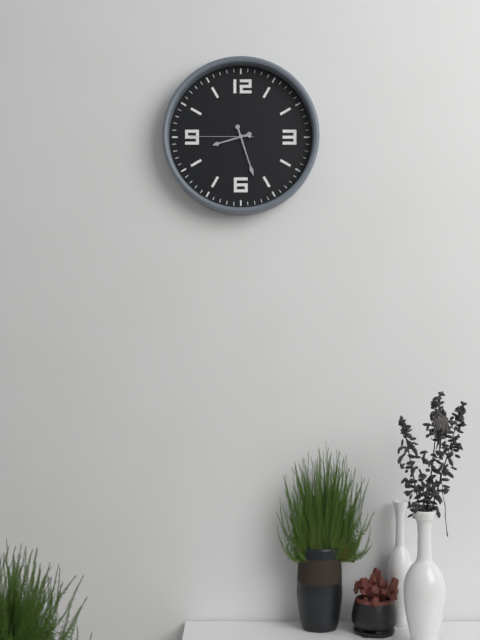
8 h 27 min 45 s
